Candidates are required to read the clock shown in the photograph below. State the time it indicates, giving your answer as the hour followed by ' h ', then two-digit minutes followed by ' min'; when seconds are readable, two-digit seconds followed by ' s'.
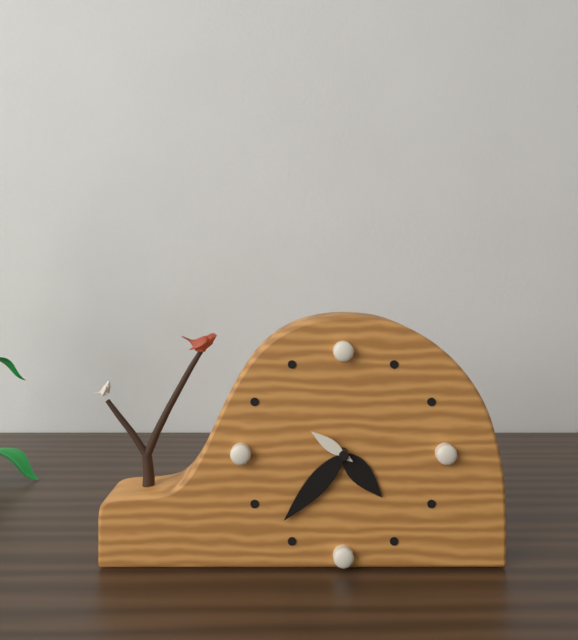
4 h 37 min 51 s
